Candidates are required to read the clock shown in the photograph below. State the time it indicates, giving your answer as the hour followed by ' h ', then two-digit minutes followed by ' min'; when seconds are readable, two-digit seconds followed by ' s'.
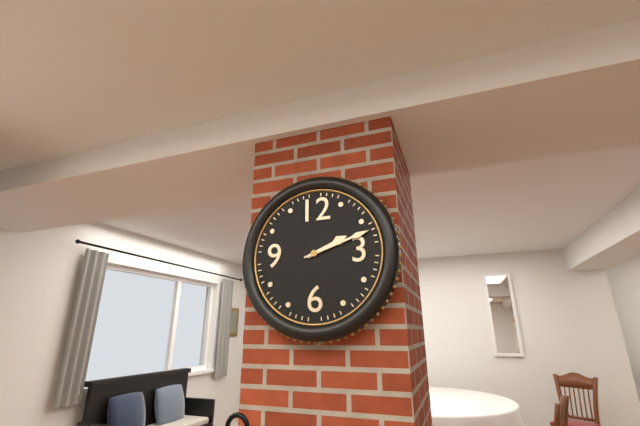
2 h 12 min
